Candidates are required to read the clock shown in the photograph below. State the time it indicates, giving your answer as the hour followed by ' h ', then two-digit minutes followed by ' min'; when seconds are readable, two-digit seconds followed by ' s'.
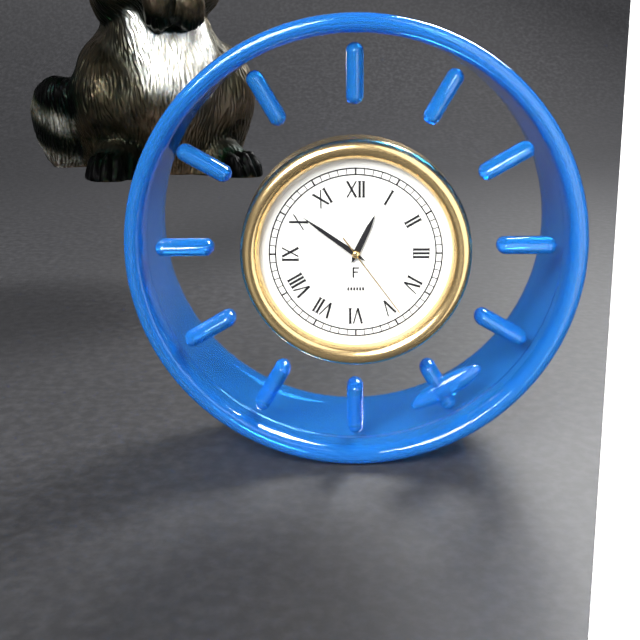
12 h 51 min 24 s
